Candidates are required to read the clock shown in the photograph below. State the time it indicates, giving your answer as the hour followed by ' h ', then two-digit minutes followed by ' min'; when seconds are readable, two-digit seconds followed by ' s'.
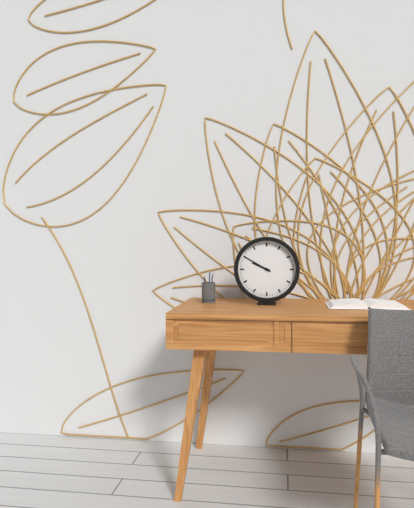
9 h 50 min
